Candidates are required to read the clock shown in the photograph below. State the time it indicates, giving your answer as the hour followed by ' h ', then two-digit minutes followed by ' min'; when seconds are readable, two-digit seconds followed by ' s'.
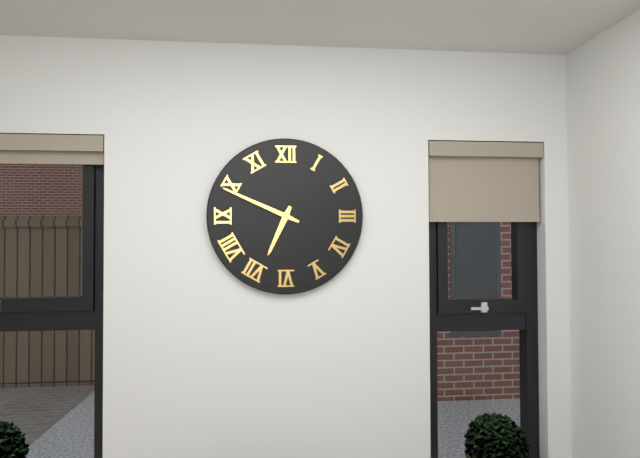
6 h 49 min
